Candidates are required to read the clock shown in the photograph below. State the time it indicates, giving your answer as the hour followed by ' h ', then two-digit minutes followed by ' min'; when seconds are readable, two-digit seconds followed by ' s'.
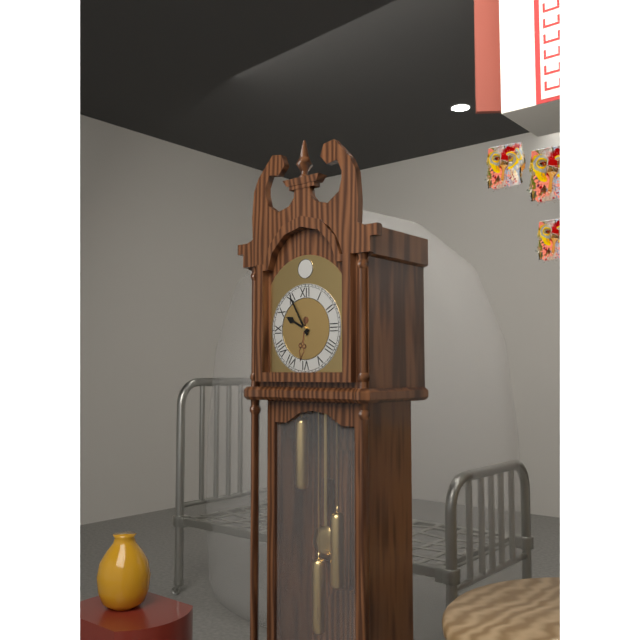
9 h 55 min
